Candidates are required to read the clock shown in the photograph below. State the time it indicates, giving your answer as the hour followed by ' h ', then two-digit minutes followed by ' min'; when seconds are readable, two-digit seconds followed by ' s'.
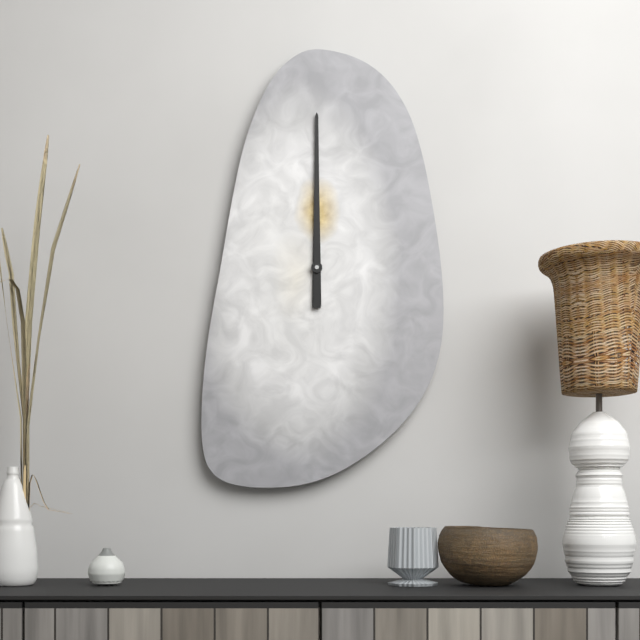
12 h 00 min
